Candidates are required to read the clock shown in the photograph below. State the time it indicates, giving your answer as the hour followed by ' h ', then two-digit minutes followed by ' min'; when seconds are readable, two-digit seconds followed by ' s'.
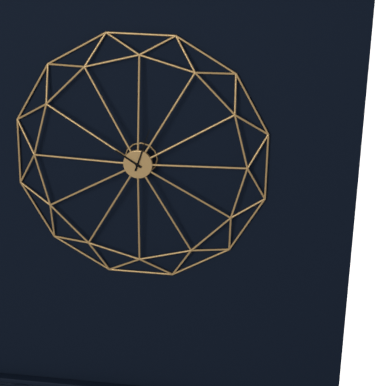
10 h 03 min
